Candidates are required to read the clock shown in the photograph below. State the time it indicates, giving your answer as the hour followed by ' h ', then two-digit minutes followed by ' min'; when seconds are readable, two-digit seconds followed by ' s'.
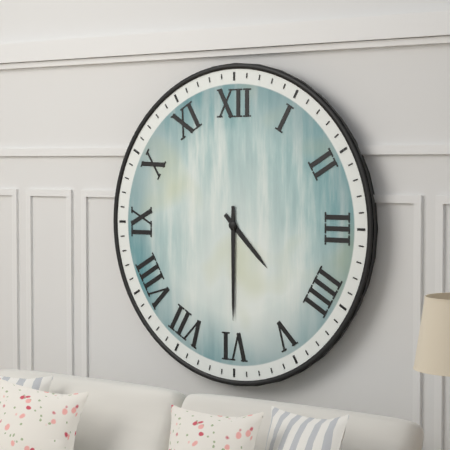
4 h 30 min
